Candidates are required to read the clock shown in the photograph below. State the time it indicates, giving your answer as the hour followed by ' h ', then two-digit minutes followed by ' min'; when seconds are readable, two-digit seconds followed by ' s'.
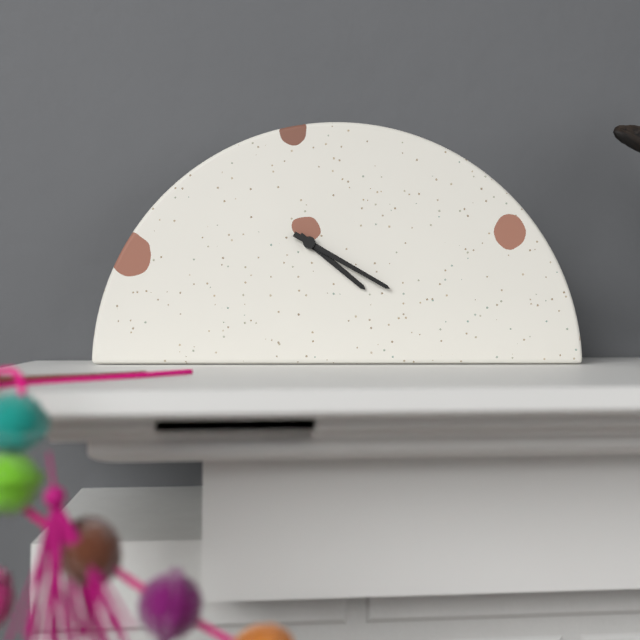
4 h 20 min
